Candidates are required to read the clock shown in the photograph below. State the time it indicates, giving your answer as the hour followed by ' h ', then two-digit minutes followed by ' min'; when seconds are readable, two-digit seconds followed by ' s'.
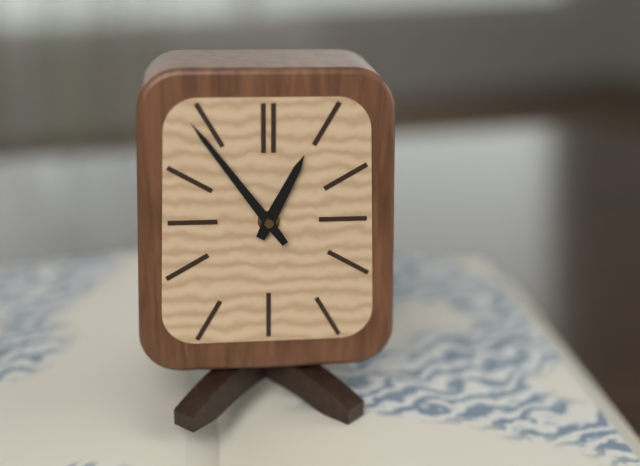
12 h 54 min
